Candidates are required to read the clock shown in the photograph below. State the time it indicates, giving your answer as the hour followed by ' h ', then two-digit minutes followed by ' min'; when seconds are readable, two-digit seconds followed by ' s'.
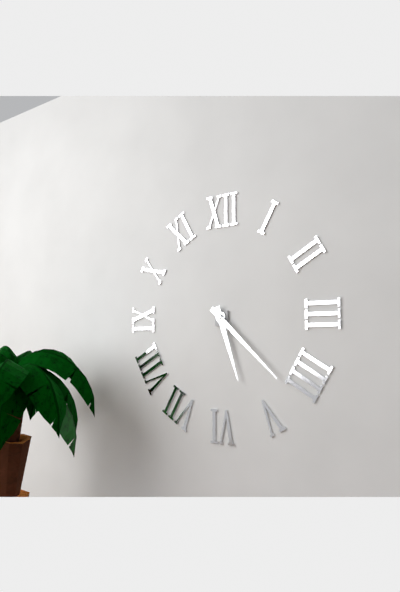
5 h 22 min
